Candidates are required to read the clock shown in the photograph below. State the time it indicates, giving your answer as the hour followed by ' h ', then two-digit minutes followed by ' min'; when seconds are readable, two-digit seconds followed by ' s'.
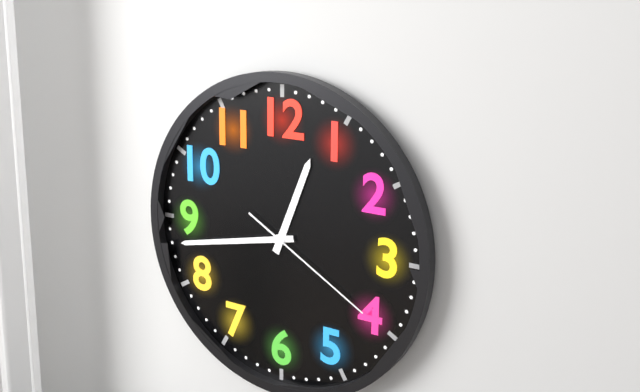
12 h 43 min 20 s
